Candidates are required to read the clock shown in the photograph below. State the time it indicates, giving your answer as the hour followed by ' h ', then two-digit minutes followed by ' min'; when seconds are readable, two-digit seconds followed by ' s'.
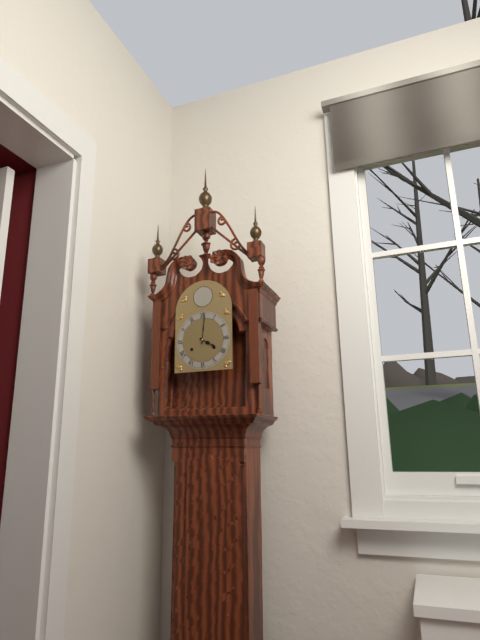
4 h 01 min
